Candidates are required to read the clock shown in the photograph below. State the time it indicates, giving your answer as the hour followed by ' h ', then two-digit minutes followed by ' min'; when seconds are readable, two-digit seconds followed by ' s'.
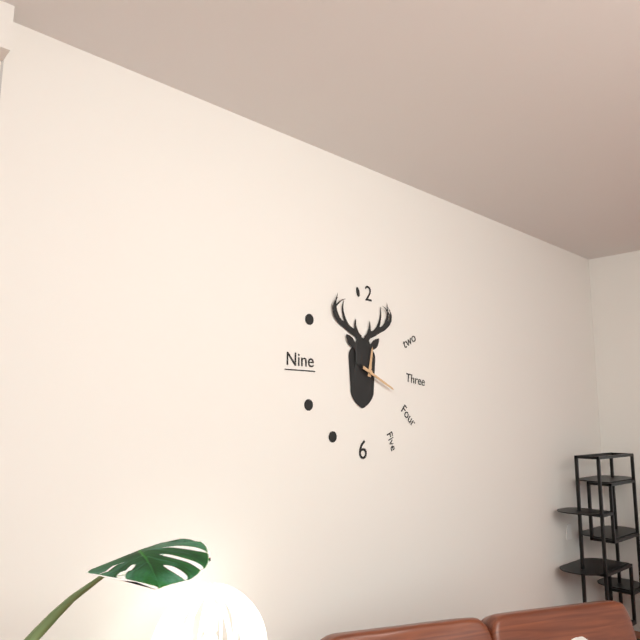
12 h 19 min
